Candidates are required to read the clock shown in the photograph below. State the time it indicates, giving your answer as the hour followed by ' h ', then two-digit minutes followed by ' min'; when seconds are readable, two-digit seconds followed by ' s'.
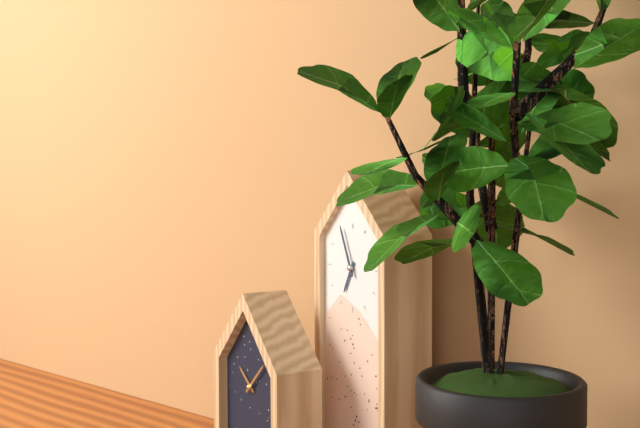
6 h 56 min
